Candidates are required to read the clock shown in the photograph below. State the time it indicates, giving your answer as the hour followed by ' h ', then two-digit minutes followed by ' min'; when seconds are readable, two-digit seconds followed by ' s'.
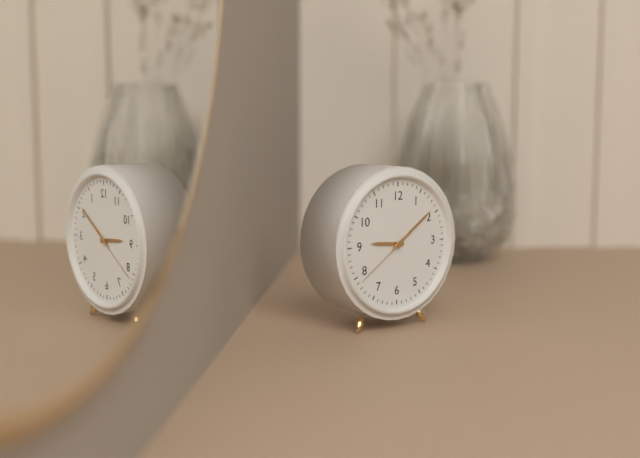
9 h 09 min 39 s
